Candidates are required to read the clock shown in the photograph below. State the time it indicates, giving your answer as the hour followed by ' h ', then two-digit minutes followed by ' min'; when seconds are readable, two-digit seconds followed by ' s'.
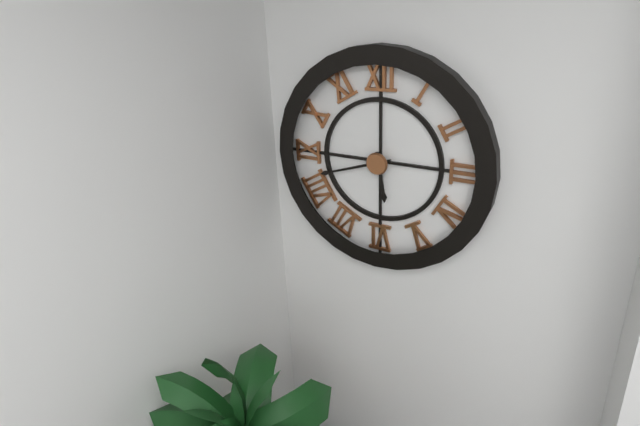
5 h 42 min
